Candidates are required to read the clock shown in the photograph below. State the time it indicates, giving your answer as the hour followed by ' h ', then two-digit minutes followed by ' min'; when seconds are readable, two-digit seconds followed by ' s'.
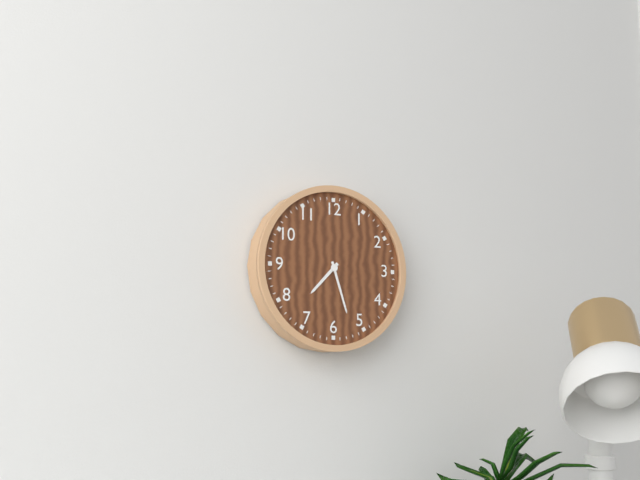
7 h 27 min
